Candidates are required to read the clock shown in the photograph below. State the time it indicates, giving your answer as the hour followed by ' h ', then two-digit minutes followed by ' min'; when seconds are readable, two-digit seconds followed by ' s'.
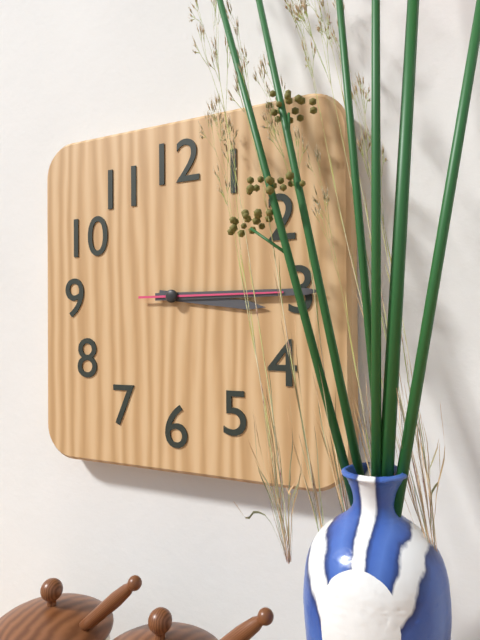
3 h 15 min 15 s
